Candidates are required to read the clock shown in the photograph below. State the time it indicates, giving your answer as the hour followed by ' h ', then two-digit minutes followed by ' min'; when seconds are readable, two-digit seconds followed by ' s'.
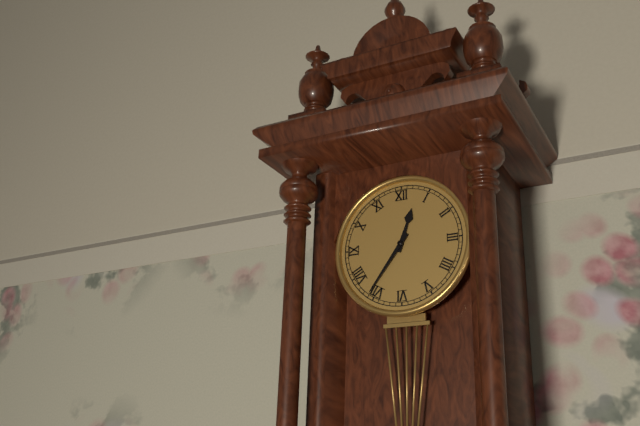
12 h 36 min
